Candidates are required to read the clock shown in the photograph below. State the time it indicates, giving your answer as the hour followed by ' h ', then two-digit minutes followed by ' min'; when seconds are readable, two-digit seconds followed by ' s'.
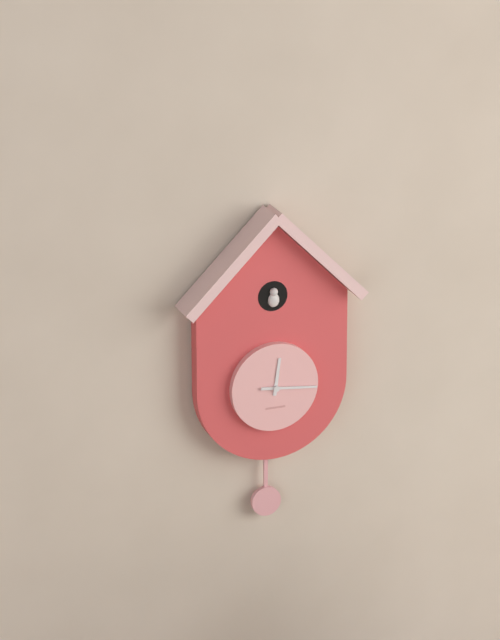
12 h 16 min
